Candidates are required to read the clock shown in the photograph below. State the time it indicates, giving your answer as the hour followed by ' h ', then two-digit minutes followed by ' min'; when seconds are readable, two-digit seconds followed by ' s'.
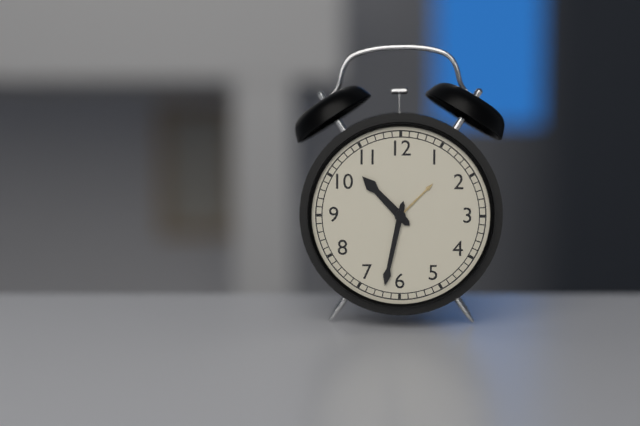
10 h 32 min
